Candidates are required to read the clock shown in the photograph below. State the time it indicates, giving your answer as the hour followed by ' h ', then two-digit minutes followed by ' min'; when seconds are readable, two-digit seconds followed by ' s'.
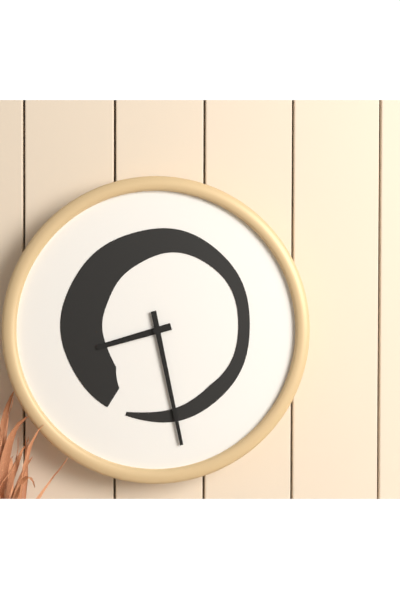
8 h 28 min
